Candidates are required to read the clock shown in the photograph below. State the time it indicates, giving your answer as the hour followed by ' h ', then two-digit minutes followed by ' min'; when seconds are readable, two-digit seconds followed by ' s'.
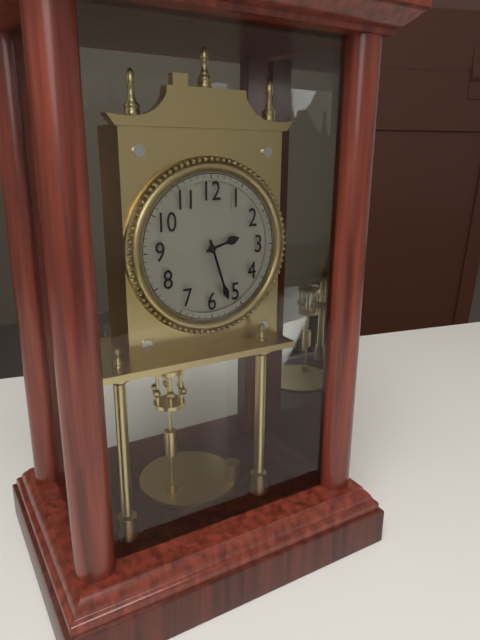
2 h 27 min
